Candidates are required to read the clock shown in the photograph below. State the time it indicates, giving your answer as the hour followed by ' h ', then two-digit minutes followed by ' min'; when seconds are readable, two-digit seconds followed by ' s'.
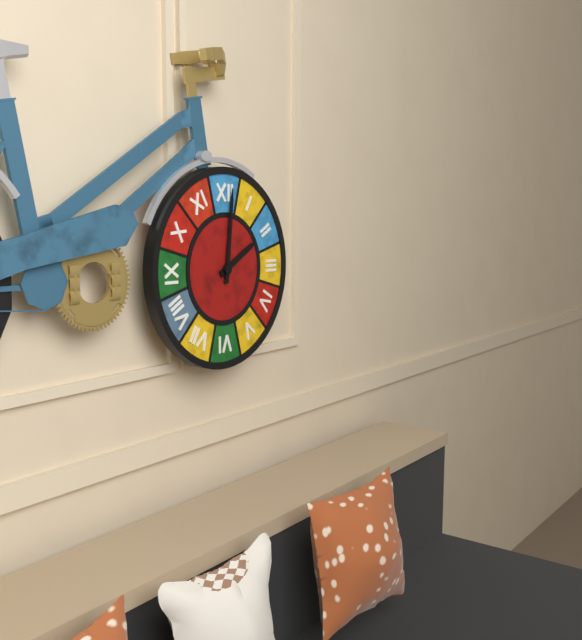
2 h 01 min
